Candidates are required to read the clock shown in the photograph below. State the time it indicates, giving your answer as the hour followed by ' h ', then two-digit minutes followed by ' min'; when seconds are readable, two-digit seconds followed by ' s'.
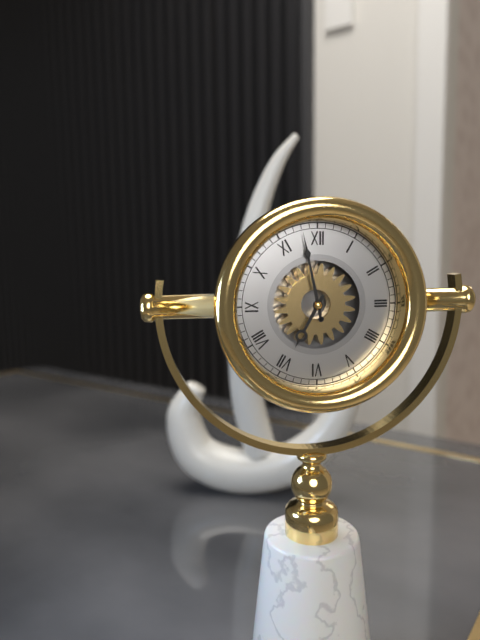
6 h 58 min
